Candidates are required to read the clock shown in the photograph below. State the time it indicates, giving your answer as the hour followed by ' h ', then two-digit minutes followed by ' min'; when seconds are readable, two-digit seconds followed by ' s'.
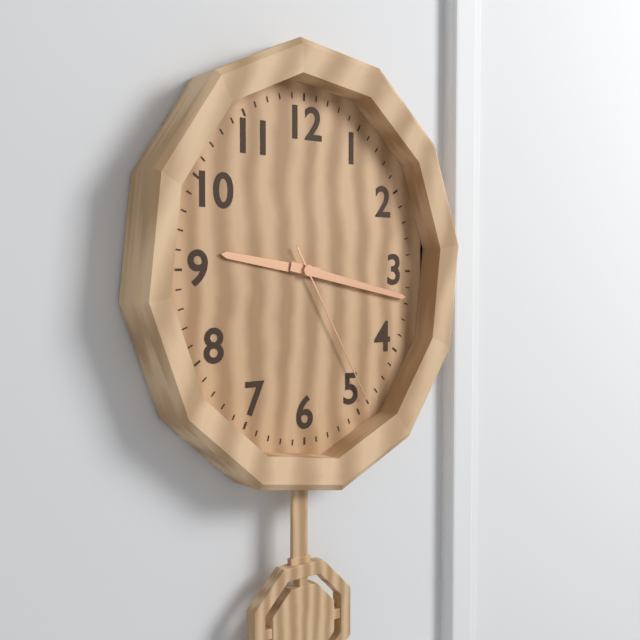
9 h 17 min 25 s
